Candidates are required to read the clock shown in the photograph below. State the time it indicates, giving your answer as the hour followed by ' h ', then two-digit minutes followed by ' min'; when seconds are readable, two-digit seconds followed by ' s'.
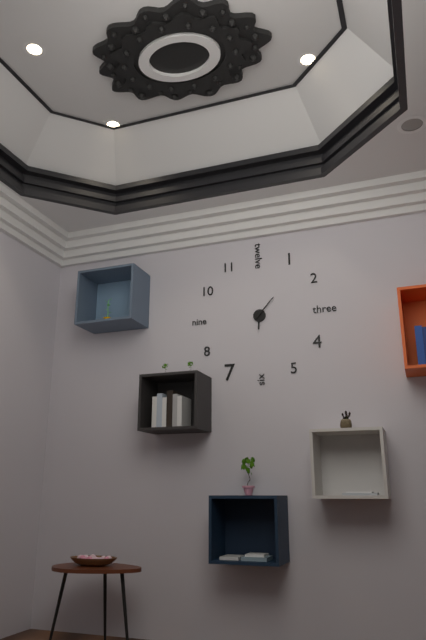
6 h 07 min
